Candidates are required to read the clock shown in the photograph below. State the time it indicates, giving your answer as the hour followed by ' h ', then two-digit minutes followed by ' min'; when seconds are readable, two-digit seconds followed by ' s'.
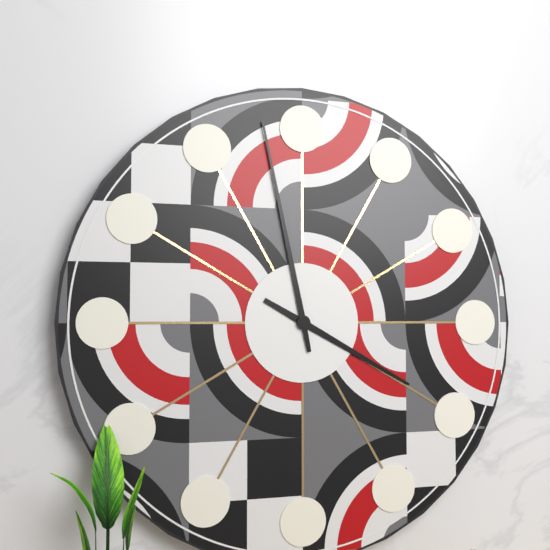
3 h 58 min
